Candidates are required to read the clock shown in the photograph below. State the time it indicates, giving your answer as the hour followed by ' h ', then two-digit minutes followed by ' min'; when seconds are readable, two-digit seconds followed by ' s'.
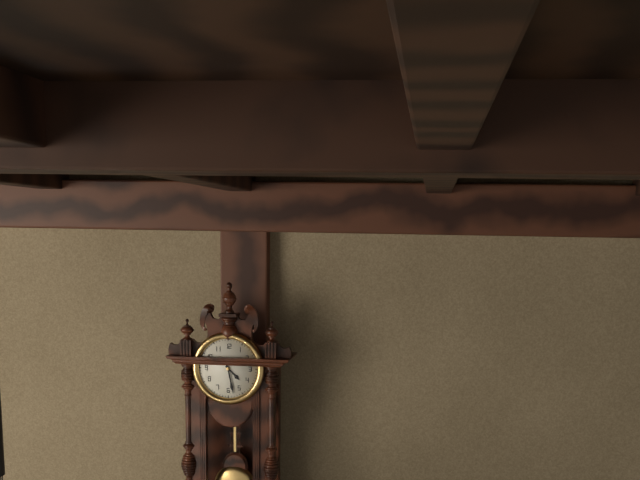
4 h 28 min
